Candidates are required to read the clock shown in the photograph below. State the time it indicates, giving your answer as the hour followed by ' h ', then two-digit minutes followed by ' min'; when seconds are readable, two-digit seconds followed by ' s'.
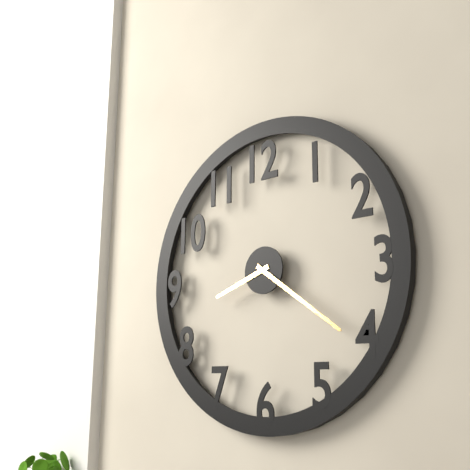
8 h 21 min
